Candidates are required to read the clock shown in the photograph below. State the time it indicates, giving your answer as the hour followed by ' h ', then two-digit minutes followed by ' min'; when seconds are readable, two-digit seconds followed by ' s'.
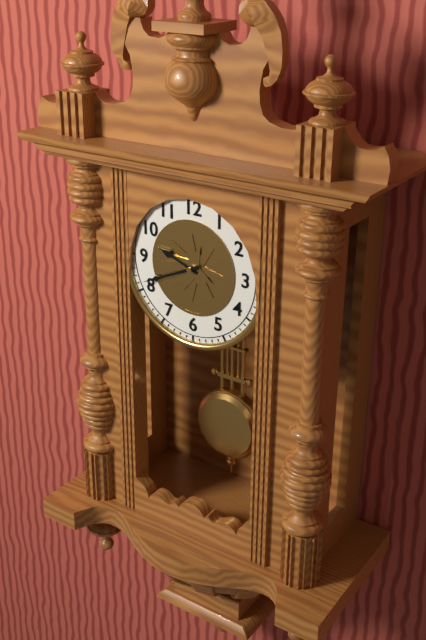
9 h 41 min
